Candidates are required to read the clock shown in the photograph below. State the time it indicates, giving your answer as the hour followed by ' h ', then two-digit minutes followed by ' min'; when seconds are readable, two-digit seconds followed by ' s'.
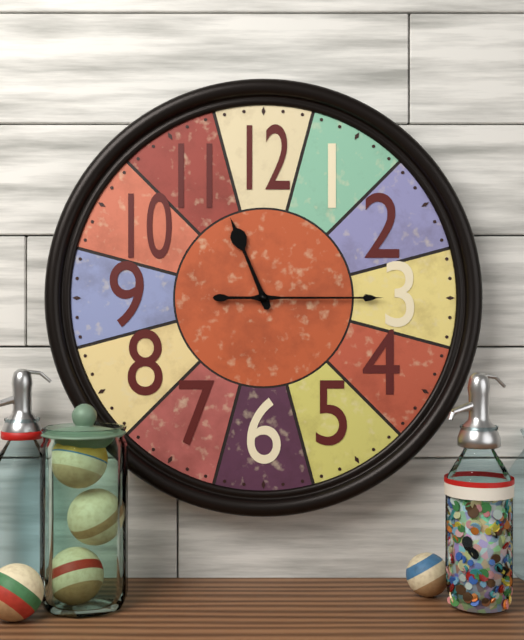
11 h 15 min
